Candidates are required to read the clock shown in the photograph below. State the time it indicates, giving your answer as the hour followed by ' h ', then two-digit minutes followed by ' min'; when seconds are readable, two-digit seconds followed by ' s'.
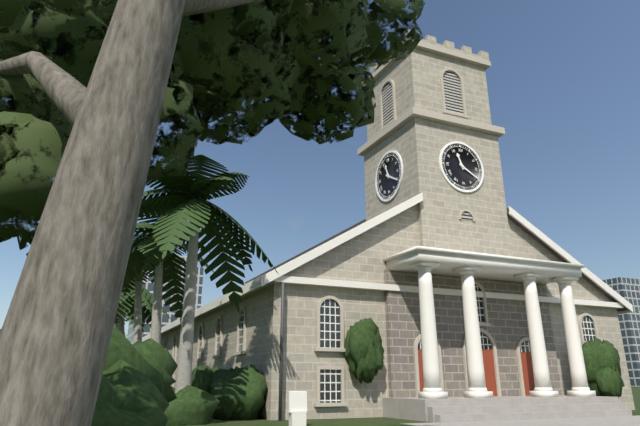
11 h 20 min
